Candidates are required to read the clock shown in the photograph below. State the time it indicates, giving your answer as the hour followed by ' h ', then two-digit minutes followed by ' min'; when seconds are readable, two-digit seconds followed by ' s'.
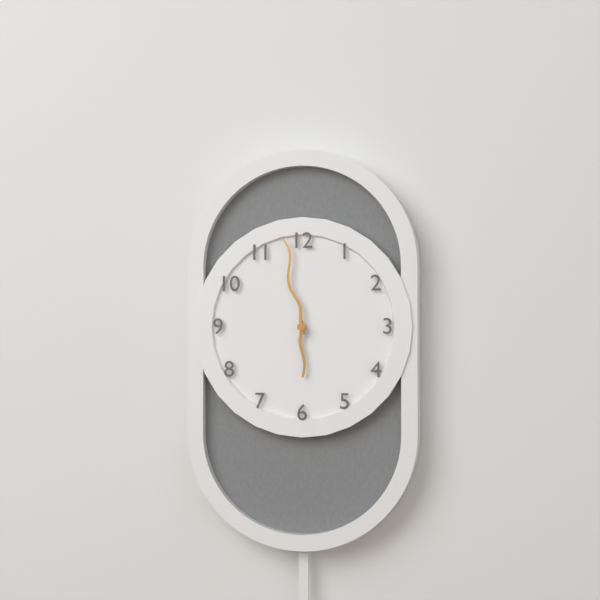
5 h 58 min
